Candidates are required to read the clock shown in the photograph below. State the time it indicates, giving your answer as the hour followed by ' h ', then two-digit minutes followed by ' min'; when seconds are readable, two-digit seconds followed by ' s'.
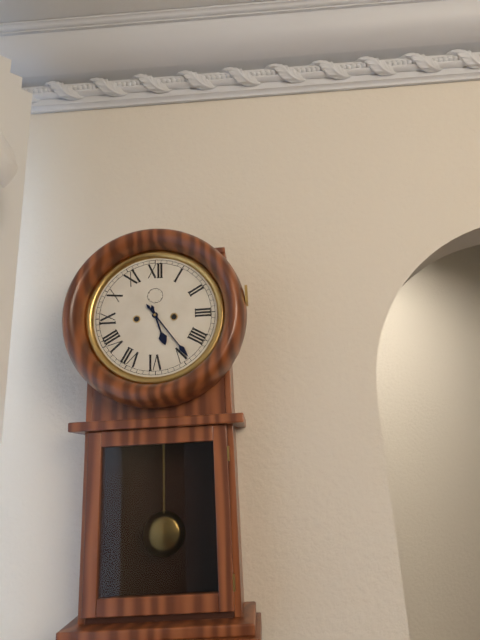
5 h 24 min
